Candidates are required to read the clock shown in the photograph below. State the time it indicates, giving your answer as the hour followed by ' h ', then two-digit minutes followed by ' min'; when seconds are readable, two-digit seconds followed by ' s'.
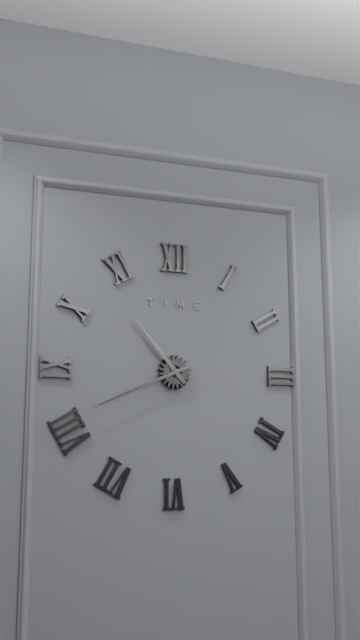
10 h 41 min
